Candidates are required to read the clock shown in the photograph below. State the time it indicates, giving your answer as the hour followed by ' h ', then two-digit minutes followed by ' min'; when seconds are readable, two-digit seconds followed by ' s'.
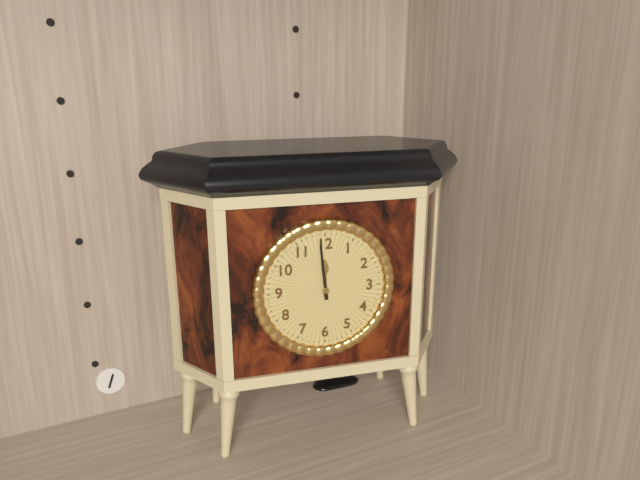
11 h 59 min
